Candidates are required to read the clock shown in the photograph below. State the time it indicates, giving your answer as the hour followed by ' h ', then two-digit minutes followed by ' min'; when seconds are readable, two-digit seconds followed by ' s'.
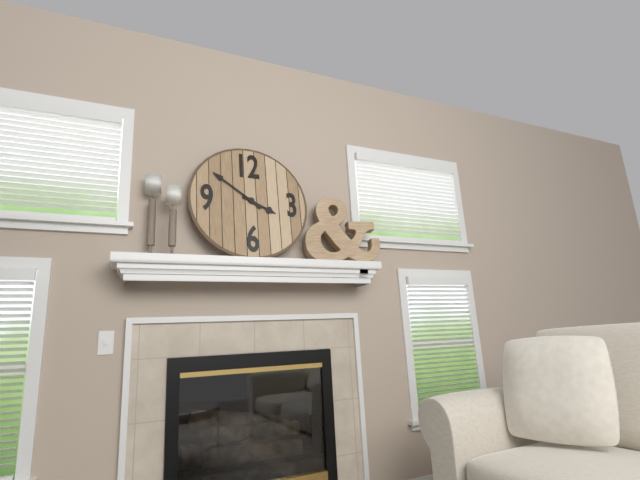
3 h 51 min
